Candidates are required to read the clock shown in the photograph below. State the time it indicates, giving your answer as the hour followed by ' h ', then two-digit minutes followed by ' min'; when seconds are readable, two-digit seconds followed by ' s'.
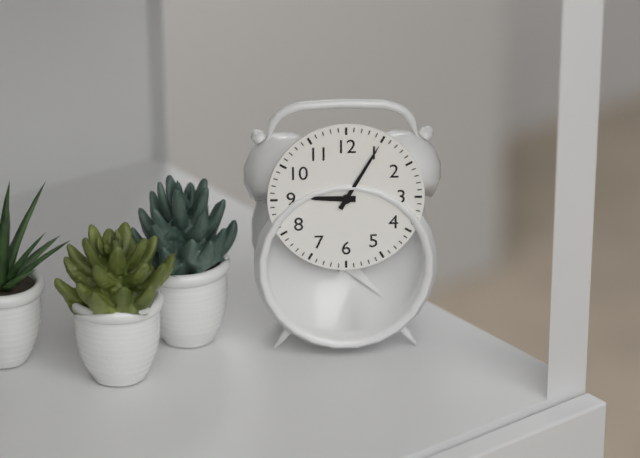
9 h 05 min
